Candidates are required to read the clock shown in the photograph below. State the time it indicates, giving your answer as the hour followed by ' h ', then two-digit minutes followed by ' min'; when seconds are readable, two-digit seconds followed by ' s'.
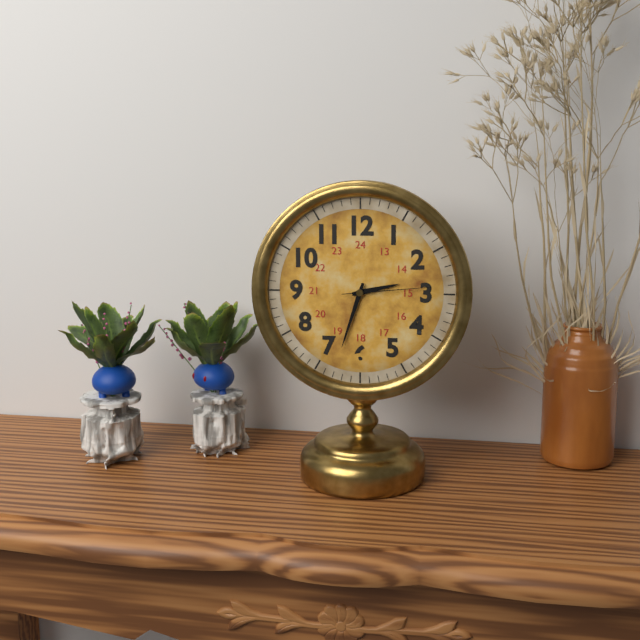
2 h 33 min 14 s
